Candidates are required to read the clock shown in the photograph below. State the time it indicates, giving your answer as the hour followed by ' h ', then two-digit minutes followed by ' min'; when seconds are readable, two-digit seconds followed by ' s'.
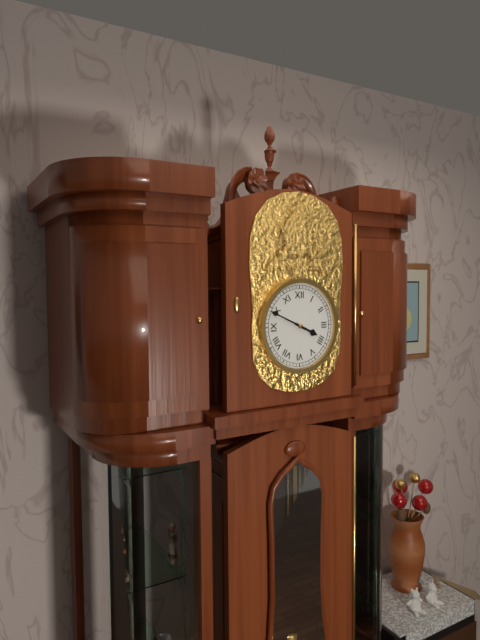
3 h 49 min
